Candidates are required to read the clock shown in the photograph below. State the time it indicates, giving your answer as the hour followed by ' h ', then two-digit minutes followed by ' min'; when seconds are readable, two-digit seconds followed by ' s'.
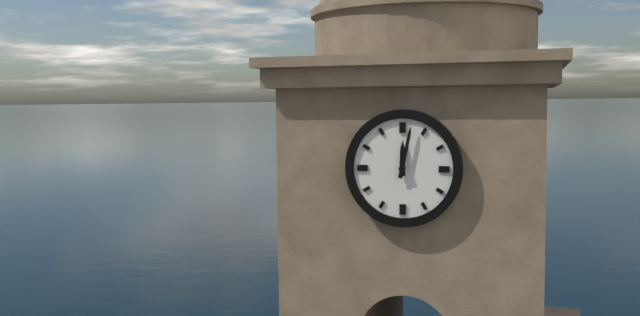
12 h 02 min
